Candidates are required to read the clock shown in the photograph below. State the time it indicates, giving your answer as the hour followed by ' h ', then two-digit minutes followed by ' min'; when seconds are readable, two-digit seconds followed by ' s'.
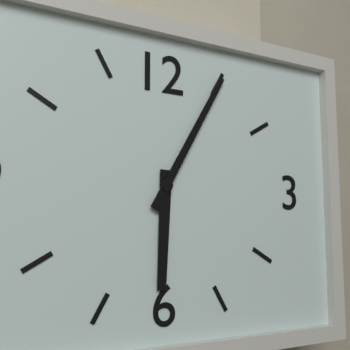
6 h 05 min
